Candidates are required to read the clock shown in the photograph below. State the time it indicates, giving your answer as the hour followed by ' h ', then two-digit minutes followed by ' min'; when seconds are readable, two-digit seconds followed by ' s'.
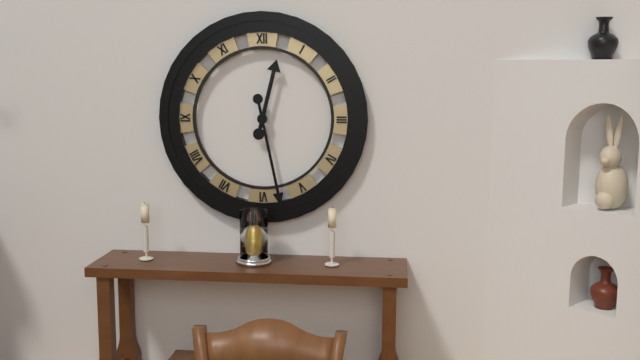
12 h 28 min
